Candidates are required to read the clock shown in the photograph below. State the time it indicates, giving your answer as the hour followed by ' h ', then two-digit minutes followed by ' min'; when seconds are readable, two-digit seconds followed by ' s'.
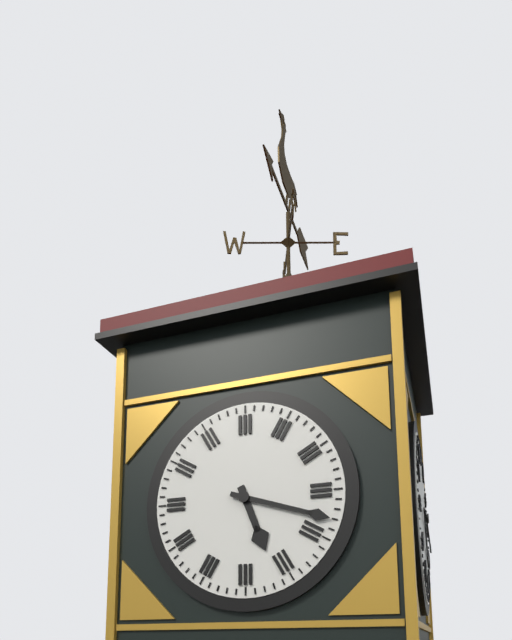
5 h 18 min
